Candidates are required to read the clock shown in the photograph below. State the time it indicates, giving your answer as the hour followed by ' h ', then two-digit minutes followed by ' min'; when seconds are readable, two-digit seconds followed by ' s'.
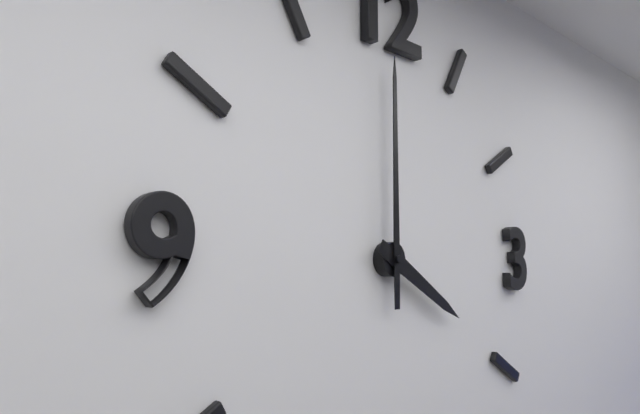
4 h 00 min
